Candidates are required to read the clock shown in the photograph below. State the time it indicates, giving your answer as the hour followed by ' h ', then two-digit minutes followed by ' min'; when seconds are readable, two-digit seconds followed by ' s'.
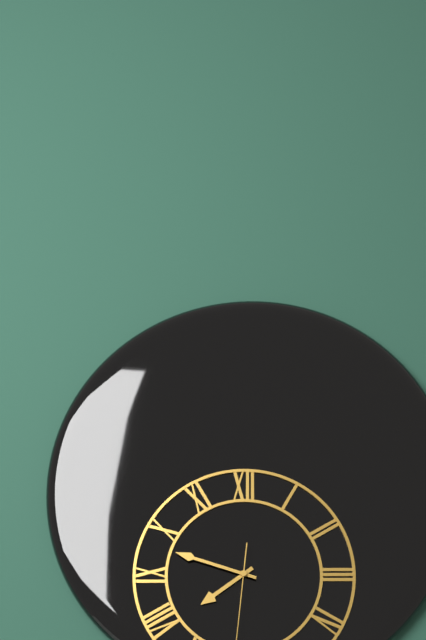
7 h 48 min
